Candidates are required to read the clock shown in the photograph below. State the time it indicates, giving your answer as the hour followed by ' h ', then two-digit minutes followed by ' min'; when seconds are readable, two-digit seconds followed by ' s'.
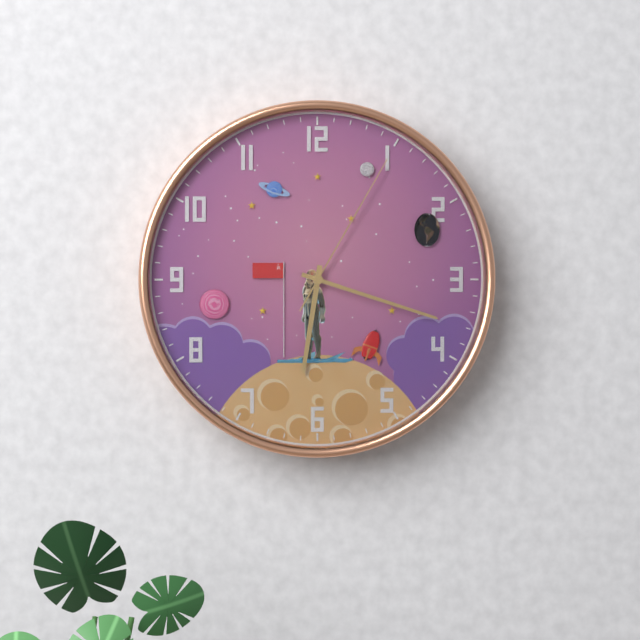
6 h 18 min 05 s
